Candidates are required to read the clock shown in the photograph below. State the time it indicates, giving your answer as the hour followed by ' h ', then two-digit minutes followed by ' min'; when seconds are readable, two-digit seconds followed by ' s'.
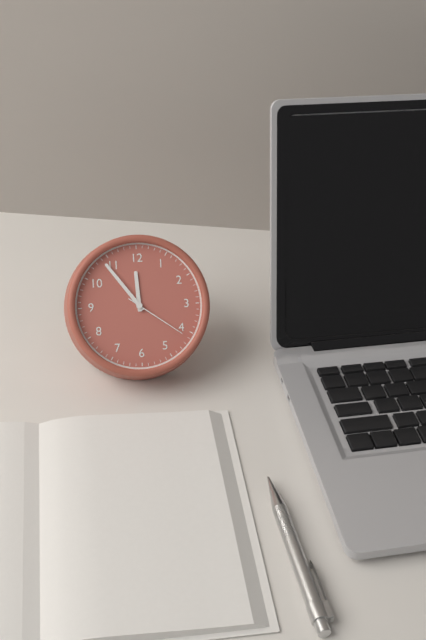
11 h 54 min 21 s
